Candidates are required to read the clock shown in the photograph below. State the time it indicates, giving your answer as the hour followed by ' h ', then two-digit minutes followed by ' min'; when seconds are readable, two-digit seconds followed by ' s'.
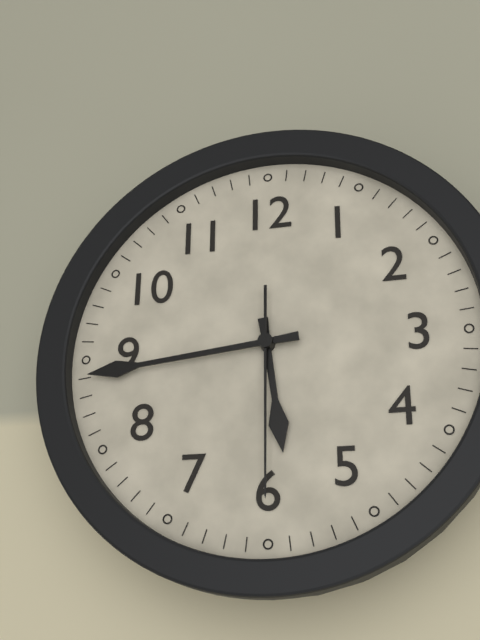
5 h 44 min 30 s
